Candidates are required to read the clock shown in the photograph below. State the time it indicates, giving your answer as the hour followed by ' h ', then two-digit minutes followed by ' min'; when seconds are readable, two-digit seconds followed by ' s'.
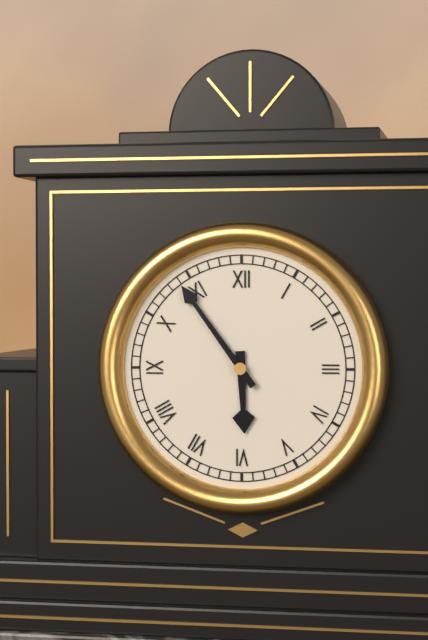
5 h 54 min
